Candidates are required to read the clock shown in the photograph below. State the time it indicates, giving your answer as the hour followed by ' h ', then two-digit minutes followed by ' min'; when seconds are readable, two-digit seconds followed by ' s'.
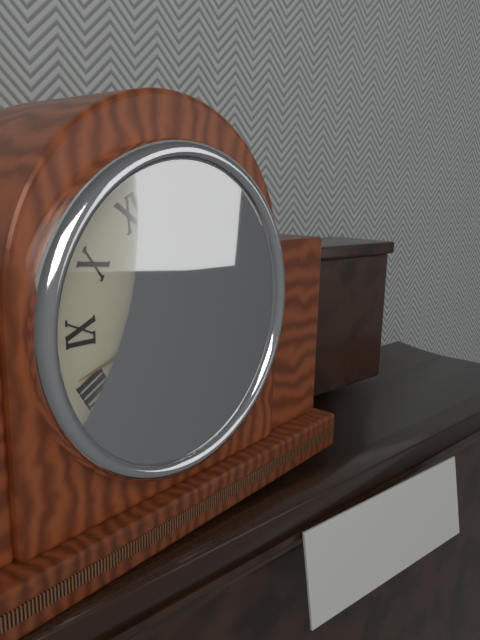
12 h 42 min
